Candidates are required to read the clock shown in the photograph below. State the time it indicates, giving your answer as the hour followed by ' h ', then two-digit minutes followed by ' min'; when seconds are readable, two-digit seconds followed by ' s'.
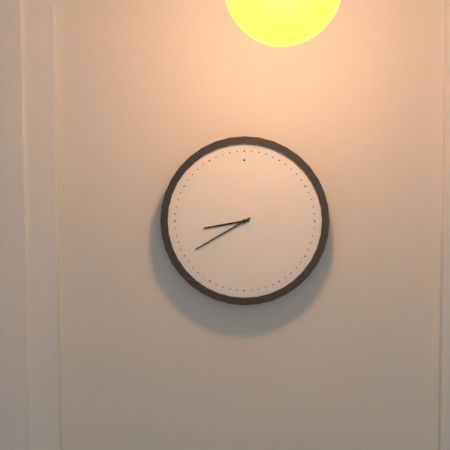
8 h 40 min
